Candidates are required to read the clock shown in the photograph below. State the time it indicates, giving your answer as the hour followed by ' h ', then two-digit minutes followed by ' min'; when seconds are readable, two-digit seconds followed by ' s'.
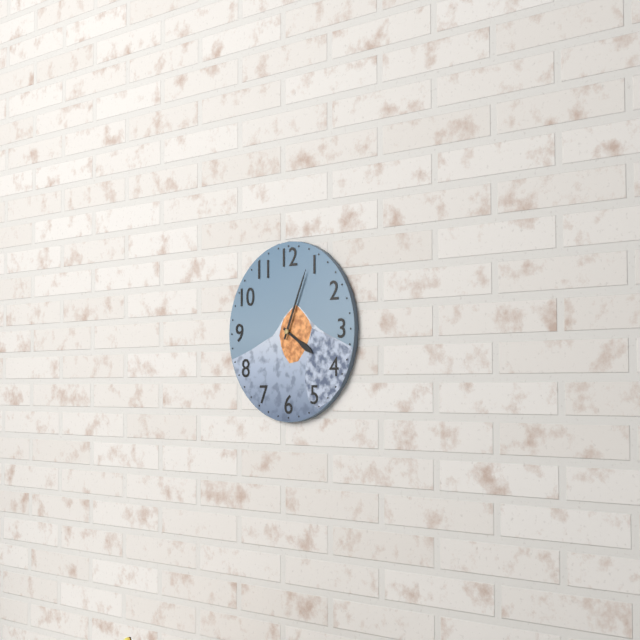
4 h 04 min
